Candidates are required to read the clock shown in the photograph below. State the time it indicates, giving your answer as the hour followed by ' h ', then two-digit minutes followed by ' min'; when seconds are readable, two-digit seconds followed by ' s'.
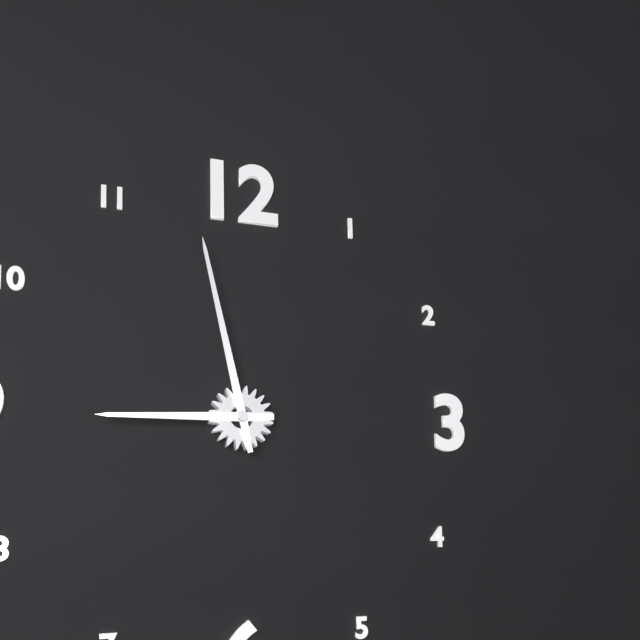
8 h 58 min
